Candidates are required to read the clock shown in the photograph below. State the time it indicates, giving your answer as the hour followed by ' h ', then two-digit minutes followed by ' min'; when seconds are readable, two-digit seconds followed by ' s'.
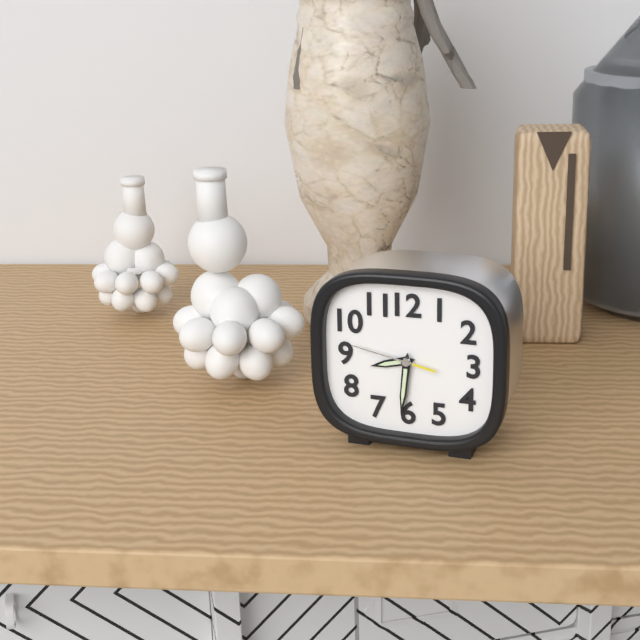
8 h 31 min 47 s
